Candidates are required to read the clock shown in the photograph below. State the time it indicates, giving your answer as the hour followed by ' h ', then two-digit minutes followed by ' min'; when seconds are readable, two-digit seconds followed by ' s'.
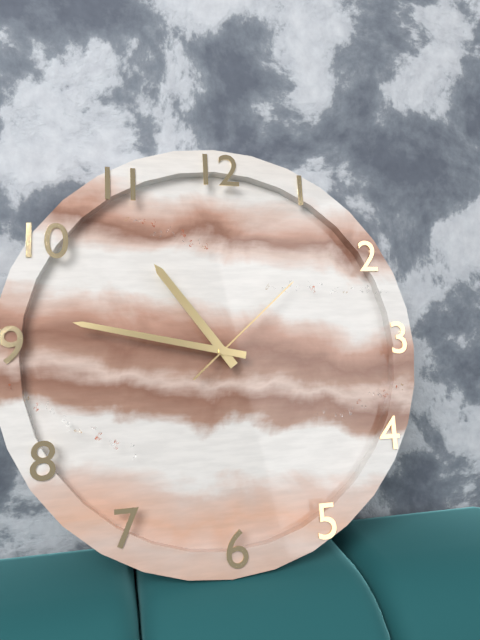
10 h 47 min 08 s
